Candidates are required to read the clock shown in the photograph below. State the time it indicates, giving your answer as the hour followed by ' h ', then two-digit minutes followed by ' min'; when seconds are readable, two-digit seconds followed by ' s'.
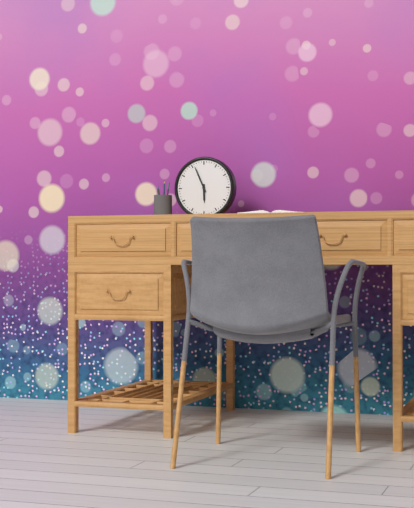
5 h 56 min
